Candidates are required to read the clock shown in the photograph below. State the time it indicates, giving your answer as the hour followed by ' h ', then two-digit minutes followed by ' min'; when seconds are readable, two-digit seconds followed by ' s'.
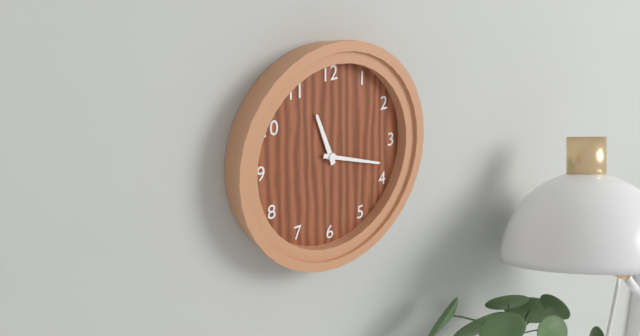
11 h 18 min
